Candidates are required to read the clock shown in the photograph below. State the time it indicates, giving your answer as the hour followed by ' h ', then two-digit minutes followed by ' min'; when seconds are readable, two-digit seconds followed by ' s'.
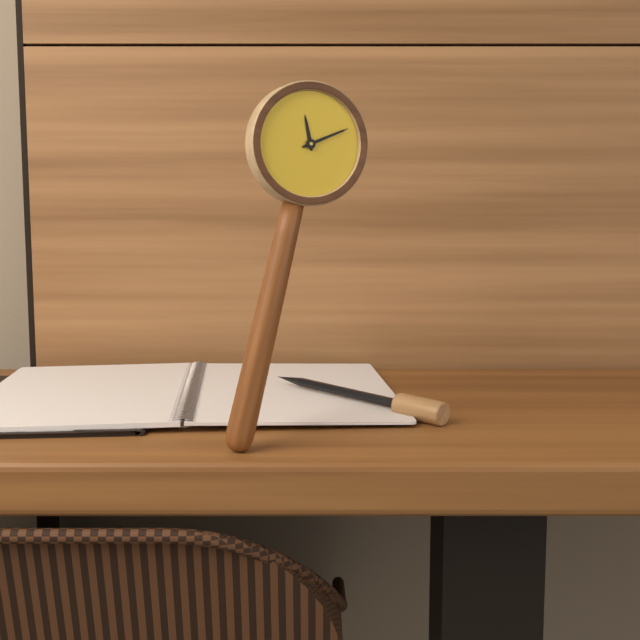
11 h 09 min
